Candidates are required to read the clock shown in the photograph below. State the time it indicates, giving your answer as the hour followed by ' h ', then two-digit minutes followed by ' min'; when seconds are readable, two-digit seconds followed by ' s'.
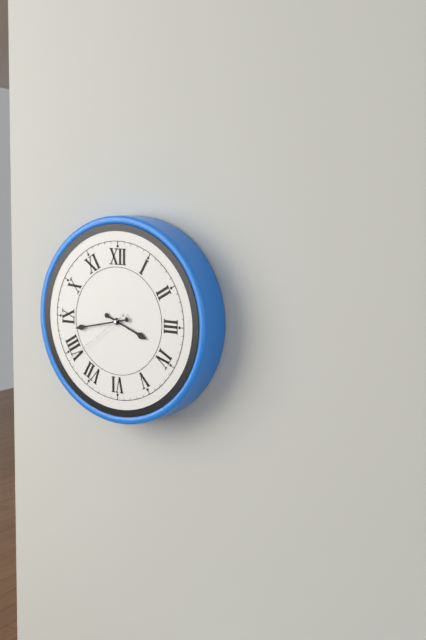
3 h 43 min 39 s
